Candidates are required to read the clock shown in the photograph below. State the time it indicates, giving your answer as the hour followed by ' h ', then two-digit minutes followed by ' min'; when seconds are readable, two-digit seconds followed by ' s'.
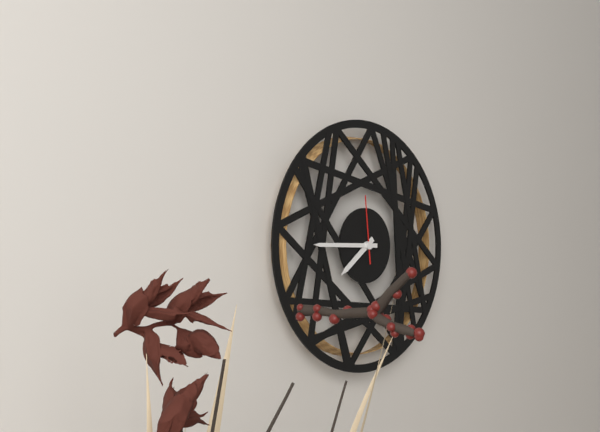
7 h 45 min 59 s
